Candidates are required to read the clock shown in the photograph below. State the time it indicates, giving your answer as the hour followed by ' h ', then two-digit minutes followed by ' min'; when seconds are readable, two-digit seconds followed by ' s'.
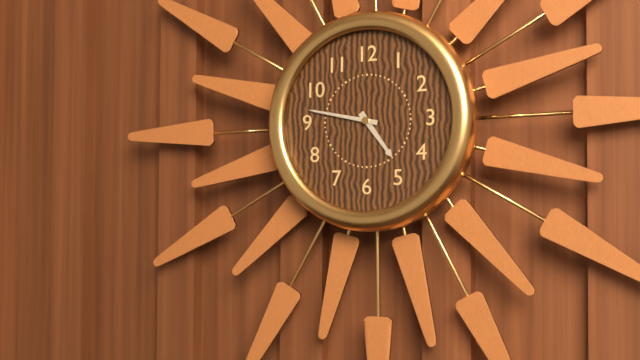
4 h 47 min
